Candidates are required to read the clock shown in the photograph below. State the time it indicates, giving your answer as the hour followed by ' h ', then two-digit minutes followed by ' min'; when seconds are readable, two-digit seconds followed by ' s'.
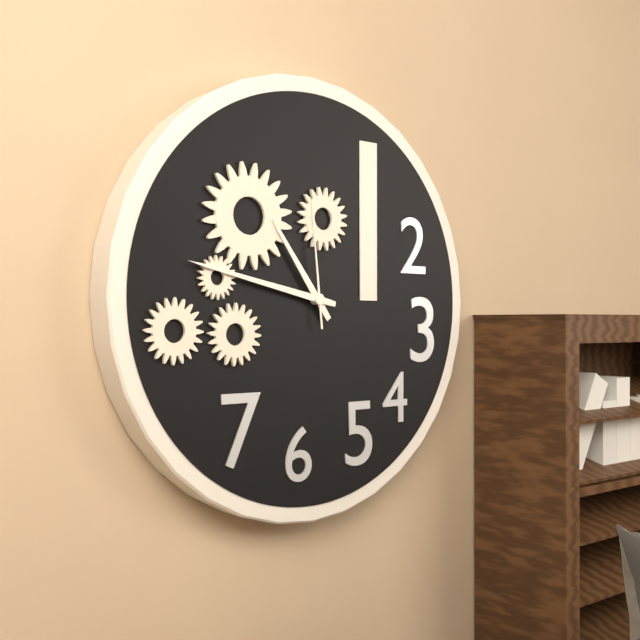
10 h 47 min 59 s
